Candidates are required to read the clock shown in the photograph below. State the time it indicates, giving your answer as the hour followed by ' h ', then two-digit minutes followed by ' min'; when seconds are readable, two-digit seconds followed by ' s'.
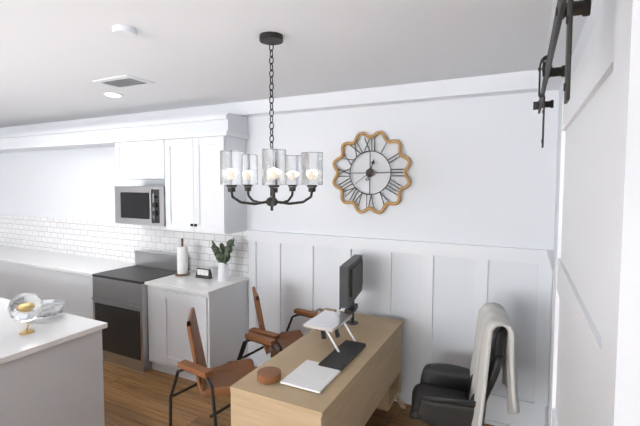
12 h 39 min
